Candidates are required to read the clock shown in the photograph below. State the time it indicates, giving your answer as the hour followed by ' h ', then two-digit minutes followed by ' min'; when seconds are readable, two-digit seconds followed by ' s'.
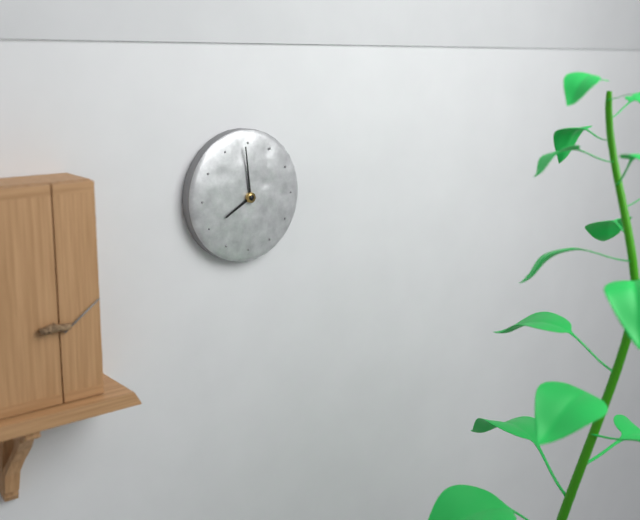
7 h 59 min
